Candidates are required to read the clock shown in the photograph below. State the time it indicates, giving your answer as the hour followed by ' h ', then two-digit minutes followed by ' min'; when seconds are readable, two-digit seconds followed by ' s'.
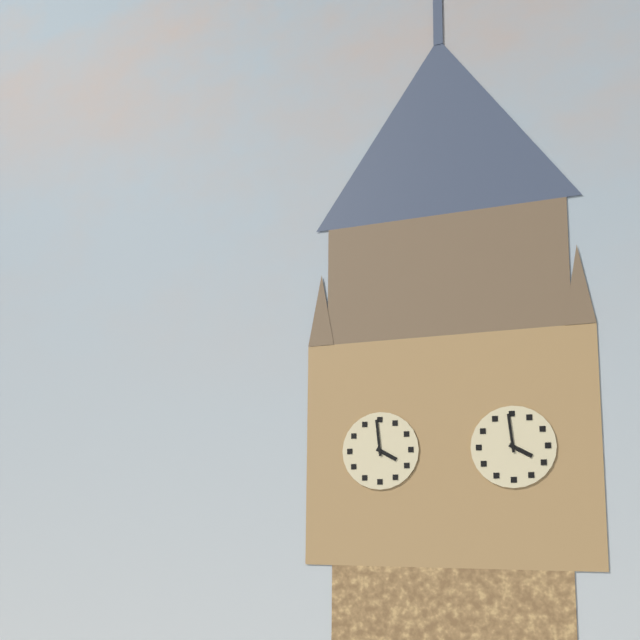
3 h 59 min
